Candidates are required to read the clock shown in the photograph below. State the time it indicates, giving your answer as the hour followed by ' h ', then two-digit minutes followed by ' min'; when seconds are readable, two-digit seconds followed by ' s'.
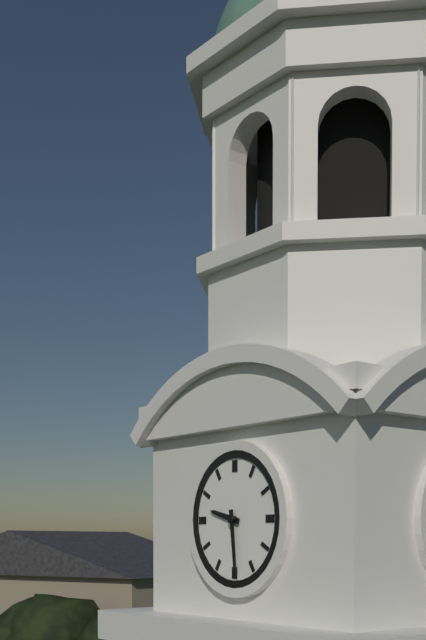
9 h 29 min
